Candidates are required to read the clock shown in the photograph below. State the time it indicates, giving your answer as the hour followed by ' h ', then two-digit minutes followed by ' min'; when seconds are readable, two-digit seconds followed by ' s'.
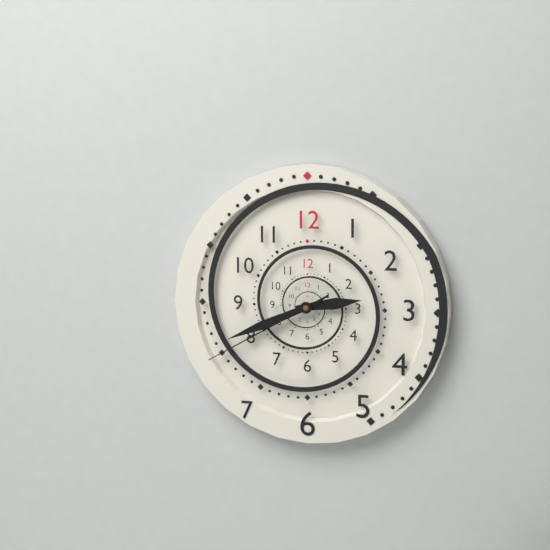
2 h 41 min 40 s
